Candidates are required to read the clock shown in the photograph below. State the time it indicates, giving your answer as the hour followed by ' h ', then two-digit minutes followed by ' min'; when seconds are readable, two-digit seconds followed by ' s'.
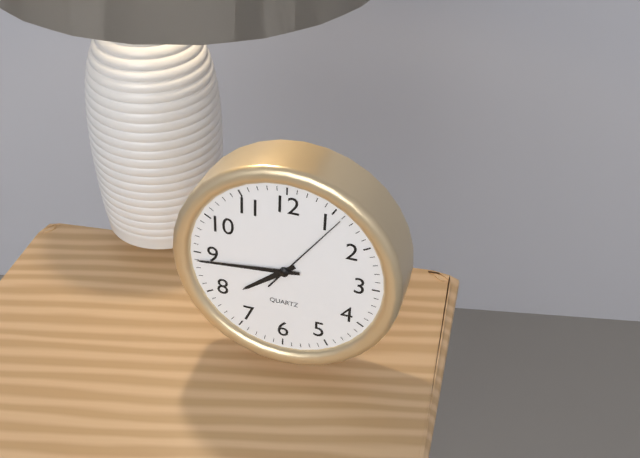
7 h 44 min 06 s
